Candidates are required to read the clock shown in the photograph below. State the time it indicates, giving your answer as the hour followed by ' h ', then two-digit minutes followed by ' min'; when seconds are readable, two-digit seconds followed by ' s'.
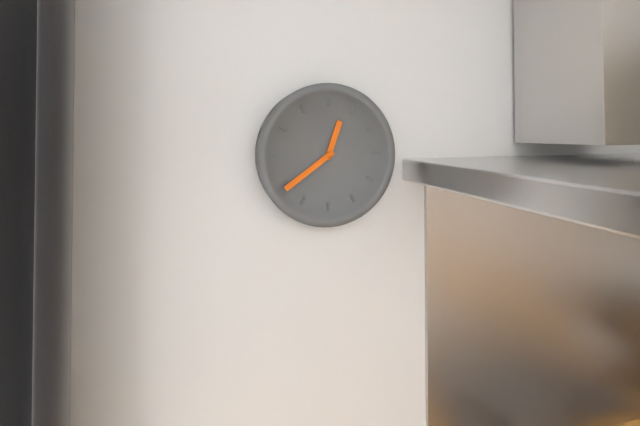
12 h 39 min
